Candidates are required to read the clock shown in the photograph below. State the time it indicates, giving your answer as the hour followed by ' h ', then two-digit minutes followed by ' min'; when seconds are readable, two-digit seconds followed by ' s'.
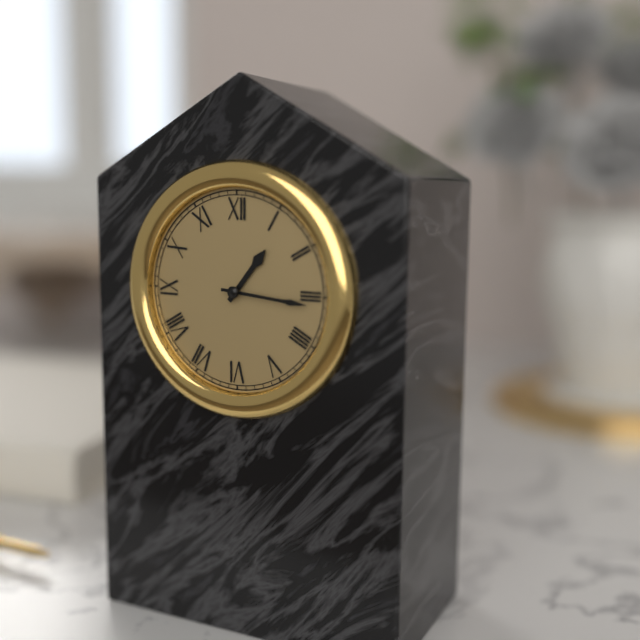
1 h 16 min
